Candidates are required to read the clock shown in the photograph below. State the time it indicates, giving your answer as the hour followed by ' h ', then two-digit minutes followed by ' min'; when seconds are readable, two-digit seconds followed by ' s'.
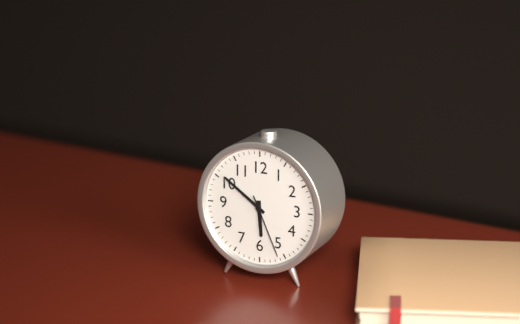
5 h 51 min 26 s
